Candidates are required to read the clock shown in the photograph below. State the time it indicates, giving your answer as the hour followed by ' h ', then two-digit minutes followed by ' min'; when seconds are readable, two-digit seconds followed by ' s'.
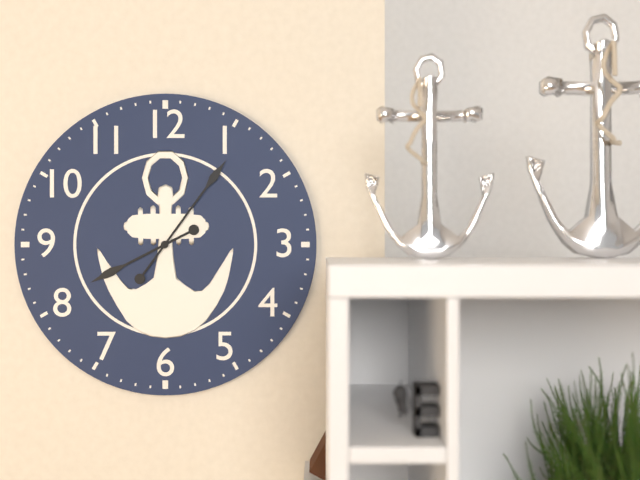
8 h 06 min
